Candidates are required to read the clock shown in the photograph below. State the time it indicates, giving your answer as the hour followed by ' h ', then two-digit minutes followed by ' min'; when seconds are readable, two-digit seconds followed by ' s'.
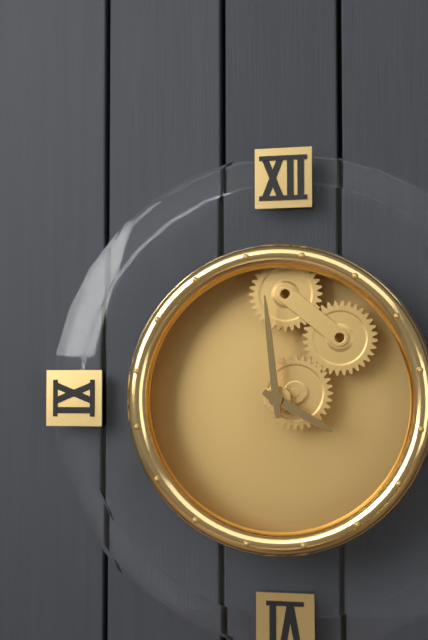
3 h 59 min
